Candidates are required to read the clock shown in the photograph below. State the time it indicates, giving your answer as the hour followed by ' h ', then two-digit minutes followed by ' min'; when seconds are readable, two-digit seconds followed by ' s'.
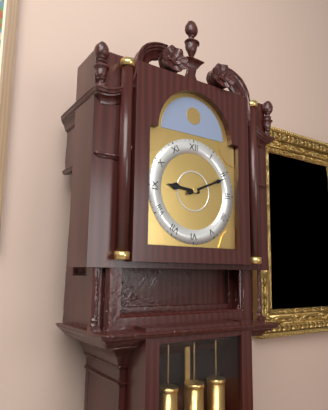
9 h 11 min
